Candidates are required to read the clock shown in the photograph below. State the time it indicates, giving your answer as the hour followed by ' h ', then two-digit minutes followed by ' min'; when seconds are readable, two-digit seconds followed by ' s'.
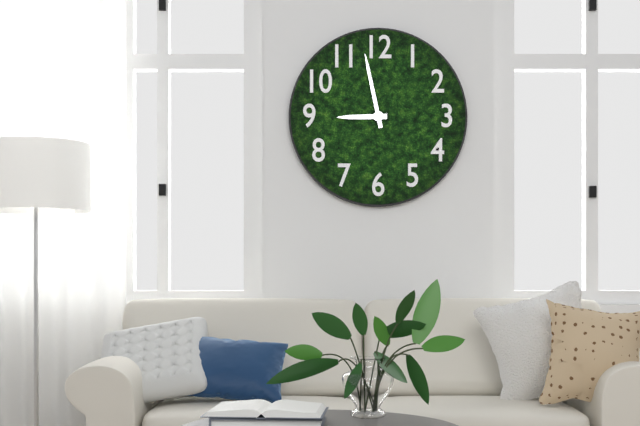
8 h 58 min
